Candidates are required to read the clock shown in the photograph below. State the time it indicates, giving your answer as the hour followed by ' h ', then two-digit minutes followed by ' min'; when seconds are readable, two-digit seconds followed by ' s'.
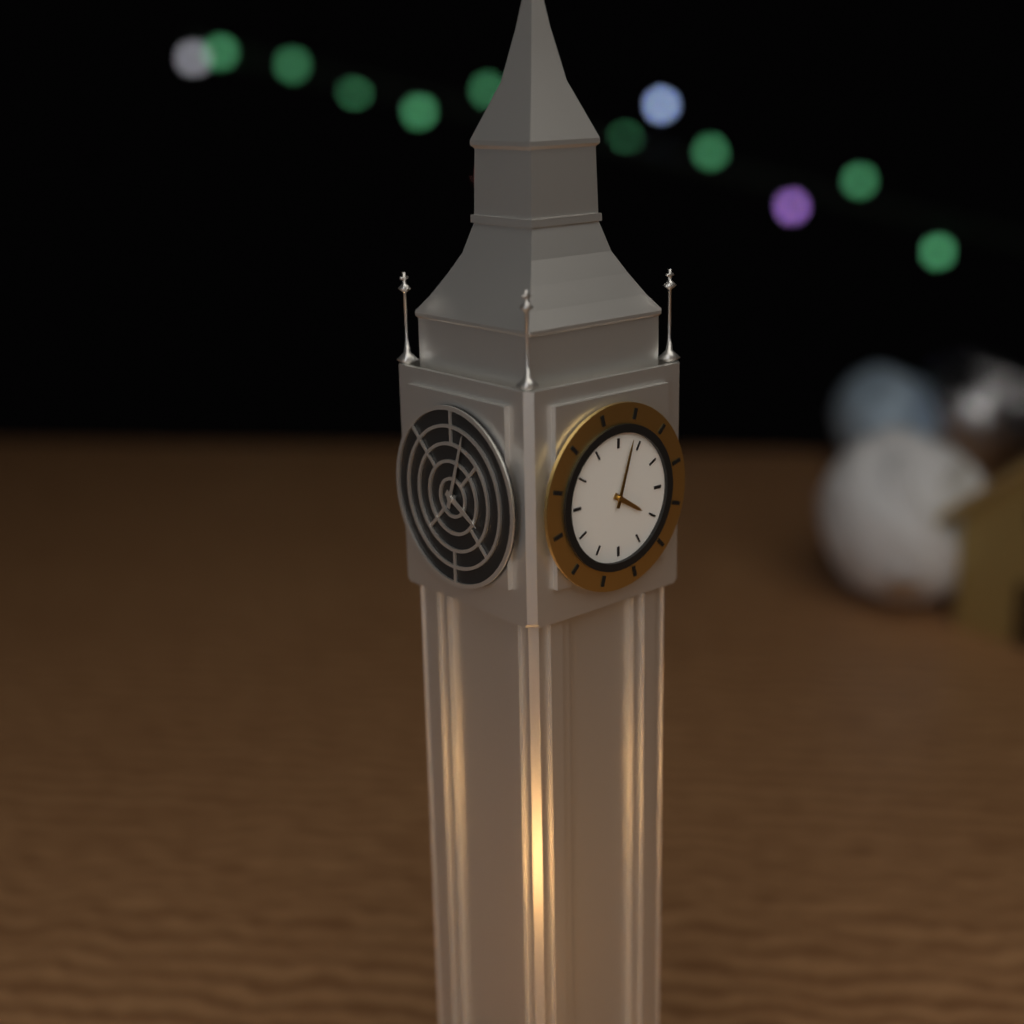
4 h 03 min
